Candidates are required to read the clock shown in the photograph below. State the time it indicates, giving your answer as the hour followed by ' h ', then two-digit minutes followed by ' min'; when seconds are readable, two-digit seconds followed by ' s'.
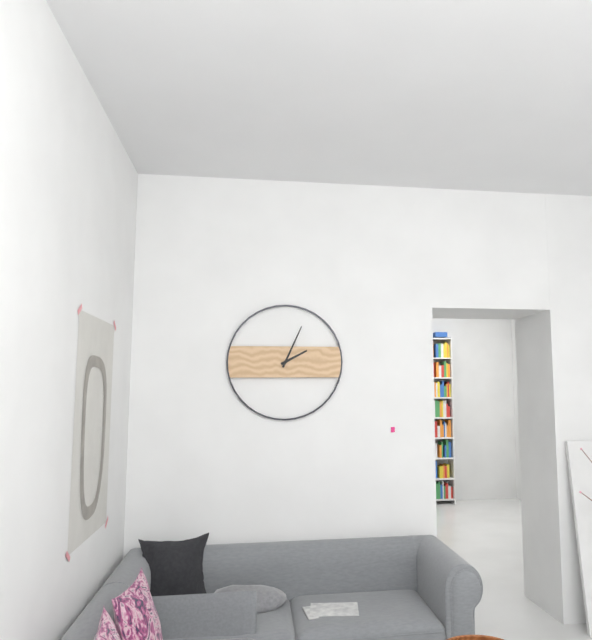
2 h 04 min
